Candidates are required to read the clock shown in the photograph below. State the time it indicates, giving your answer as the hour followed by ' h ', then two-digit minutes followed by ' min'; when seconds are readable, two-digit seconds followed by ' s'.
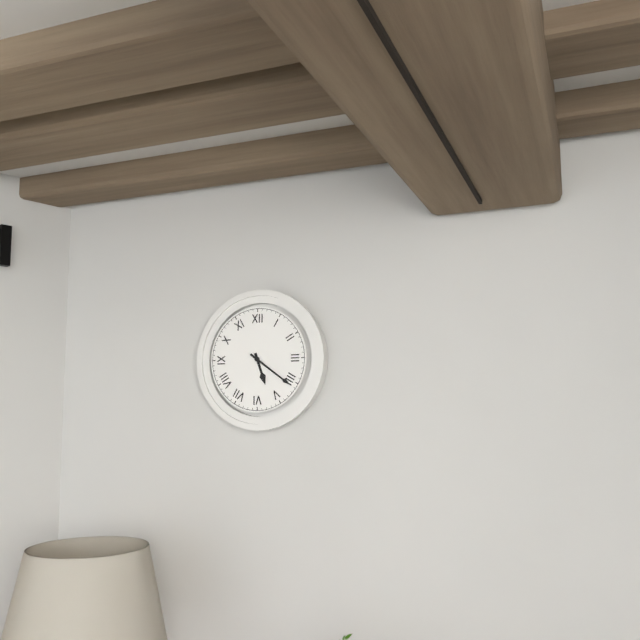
5 h 21 min
